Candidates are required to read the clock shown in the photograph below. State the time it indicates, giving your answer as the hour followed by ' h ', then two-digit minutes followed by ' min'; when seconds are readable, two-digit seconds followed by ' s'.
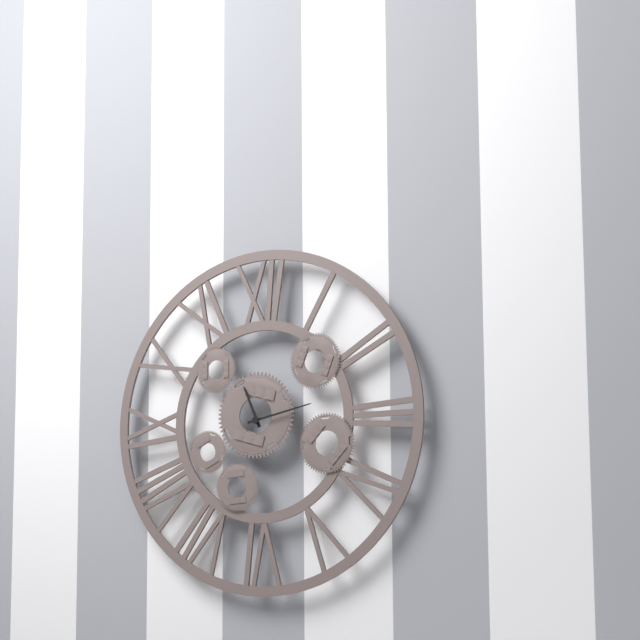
11 h 13 min
